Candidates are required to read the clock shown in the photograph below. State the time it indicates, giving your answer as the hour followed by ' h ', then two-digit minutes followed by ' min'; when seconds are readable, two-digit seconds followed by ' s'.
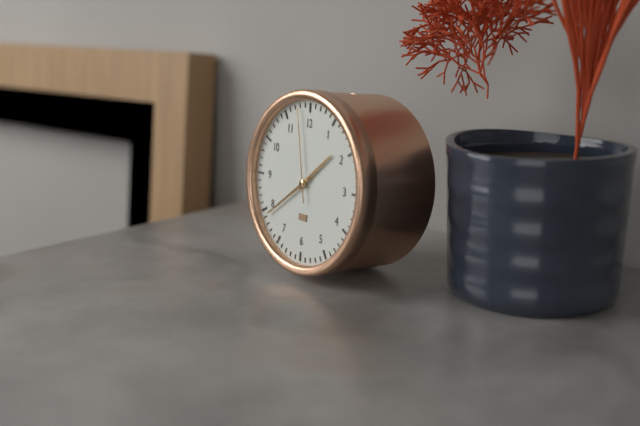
1 h 39 min 58 s
